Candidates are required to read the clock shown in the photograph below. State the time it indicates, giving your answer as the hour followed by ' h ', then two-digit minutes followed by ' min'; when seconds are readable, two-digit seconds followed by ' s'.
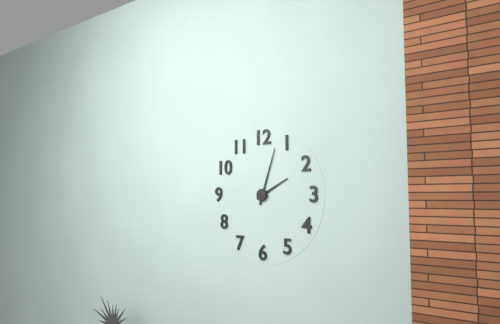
2 h 03 min
